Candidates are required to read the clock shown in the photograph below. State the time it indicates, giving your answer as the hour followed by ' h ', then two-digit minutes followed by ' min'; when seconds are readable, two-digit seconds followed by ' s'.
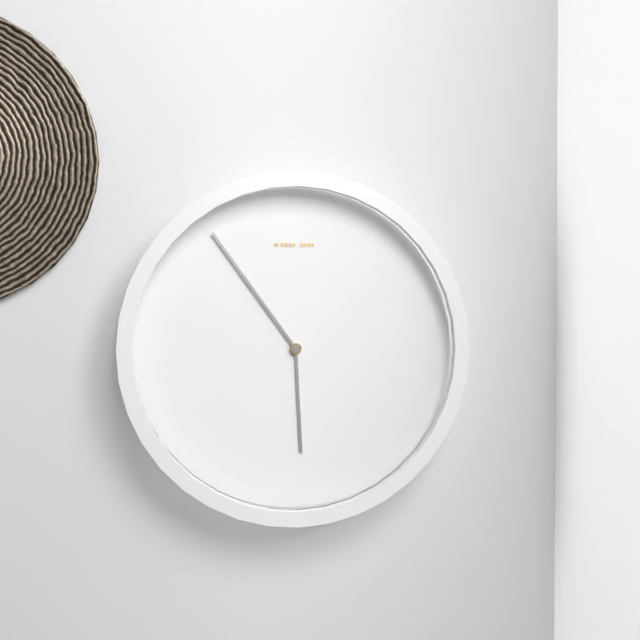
5 h 54 min
